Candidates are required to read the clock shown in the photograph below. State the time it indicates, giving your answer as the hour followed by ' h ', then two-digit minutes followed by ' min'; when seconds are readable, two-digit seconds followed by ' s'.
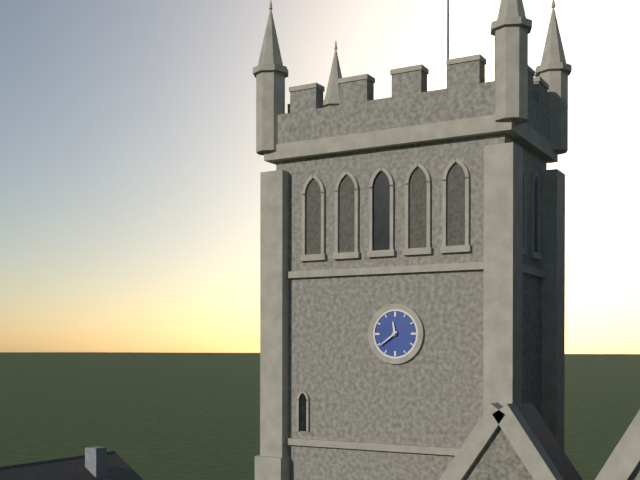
11 h 39 min
